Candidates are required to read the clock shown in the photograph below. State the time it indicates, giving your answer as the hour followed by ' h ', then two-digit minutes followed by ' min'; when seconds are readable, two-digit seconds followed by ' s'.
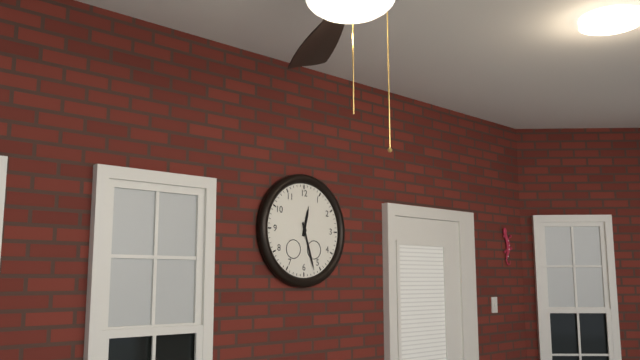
12 h 27 min
